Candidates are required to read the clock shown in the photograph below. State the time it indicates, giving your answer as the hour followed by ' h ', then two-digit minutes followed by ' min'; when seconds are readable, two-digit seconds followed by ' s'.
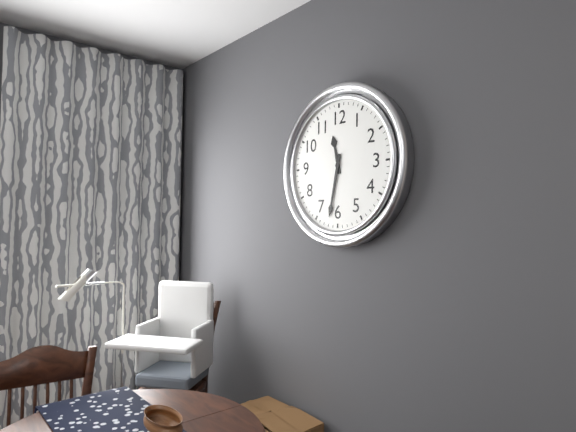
11 h 32 min
